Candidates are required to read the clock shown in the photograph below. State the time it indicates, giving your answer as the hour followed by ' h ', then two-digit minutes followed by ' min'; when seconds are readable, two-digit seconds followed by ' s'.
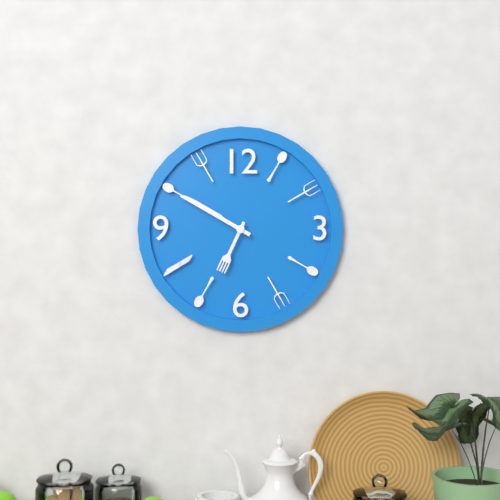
6 h 50 min
